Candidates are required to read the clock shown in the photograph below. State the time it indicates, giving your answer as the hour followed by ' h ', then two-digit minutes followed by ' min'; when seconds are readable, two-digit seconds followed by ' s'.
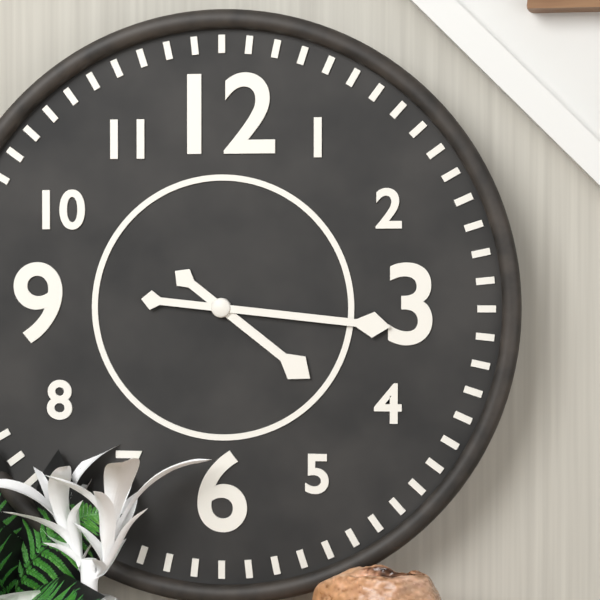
4 h 16 min
